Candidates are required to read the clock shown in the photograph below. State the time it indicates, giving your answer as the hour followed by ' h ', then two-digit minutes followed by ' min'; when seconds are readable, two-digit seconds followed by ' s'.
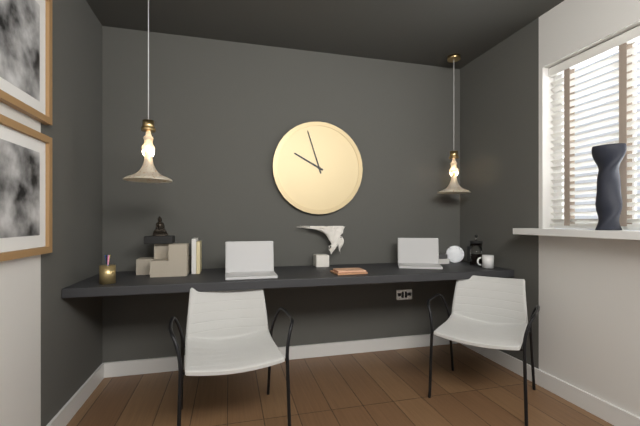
9 h 57 min
